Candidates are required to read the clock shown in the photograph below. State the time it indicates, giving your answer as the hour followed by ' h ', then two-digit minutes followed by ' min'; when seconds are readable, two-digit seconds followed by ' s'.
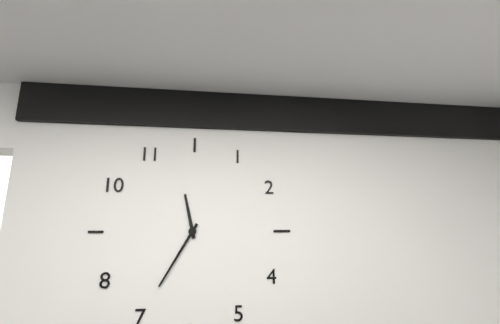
11 h 35 min
